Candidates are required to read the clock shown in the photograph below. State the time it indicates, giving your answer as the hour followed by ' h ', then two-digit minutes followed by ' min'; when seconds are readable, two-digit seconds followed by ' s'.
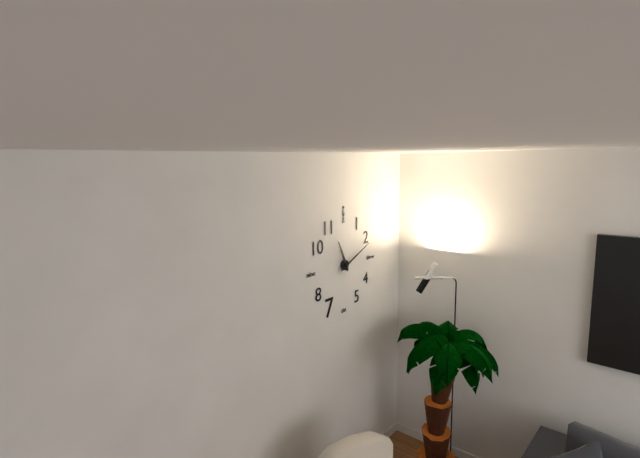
11 h 11 min
